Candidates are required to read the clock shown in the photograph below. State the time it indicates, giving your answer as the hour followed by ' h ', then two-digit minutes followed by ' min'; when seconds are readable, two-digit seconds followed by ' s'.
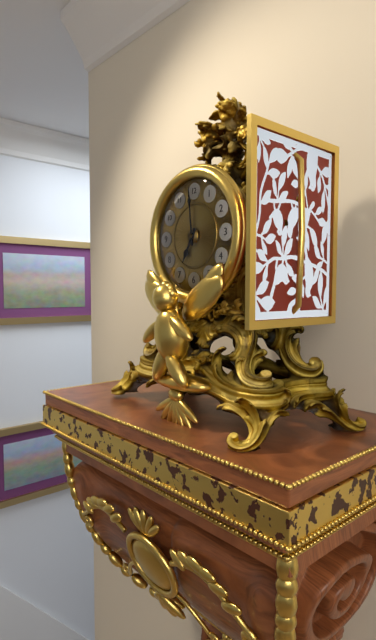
6 h 59 min
